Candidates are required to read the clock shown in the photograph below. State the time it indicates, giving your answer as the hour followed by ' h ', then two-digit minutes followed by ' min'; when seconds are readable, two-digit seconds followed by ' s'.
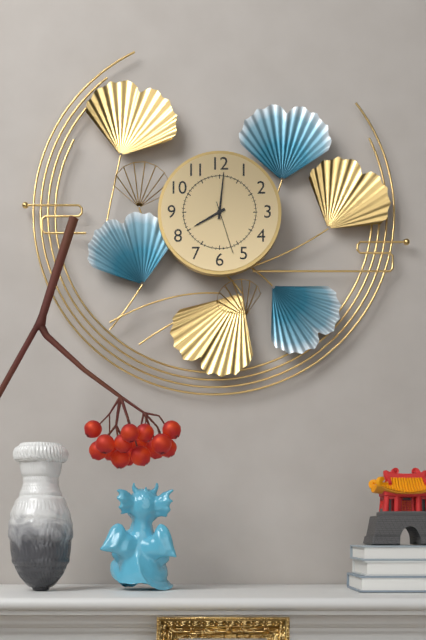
8 h 01 min
